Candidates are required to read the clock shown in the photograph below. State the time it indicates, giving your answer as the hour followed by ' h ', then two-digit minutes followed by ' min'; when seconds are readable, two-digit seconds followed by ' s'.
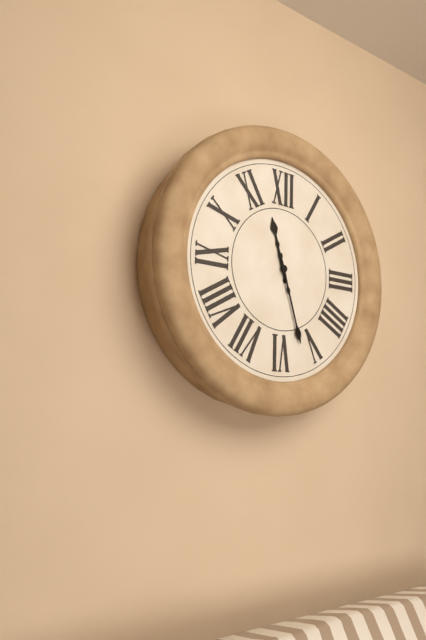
11 h 27 min
